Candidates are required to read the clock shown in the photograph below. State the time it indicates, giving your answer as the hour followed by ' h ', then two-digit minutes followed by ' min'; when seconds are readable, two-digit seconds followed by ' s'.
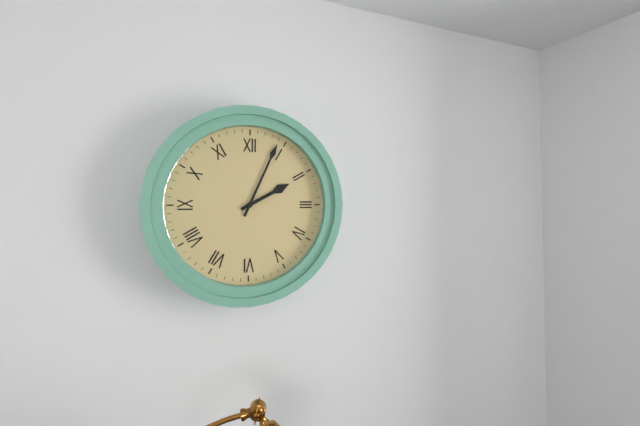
2 h 04 min
